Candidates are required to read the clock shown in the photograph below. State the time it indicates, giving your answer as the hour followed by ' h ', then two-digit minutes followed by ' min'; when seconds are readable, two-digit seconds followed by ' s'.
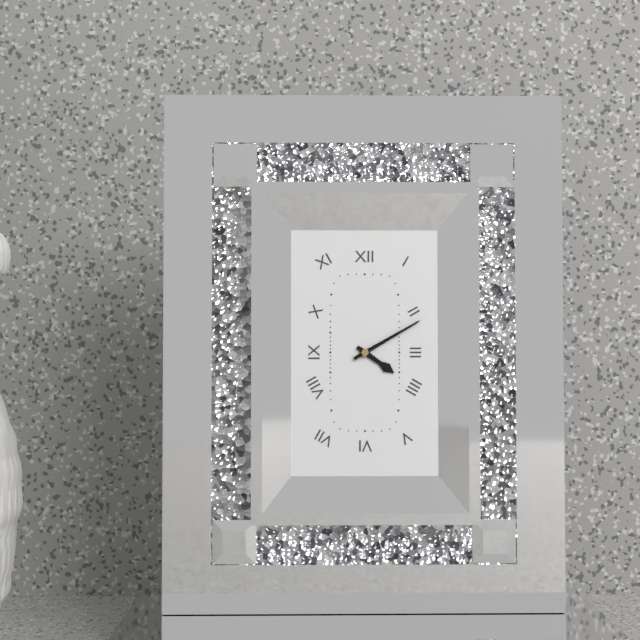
4 h 10 min
